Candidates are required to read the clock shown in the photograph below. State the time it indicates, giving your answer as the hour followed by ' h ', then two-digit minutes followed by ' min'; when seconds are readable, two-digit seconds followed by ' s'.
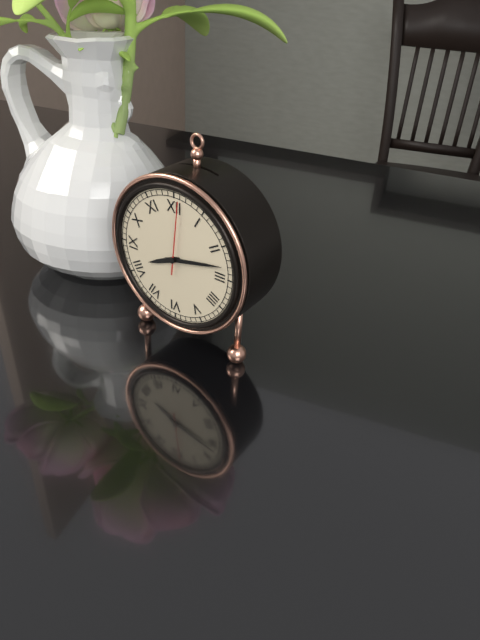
8 h 13 min 01 s
